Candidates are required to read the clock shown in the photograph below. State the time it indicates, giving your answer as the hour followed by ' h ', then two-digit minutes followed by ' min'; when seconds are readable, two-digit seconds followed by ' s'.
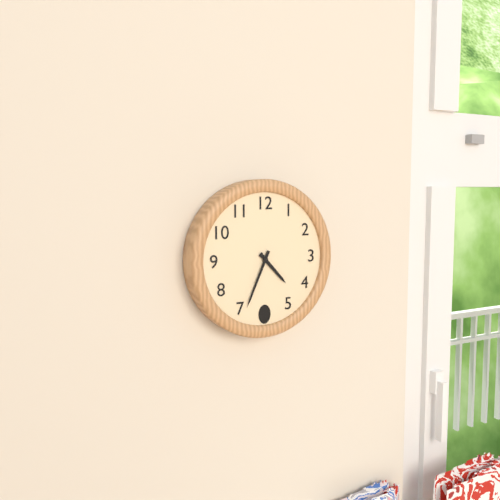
4 h 34 min
